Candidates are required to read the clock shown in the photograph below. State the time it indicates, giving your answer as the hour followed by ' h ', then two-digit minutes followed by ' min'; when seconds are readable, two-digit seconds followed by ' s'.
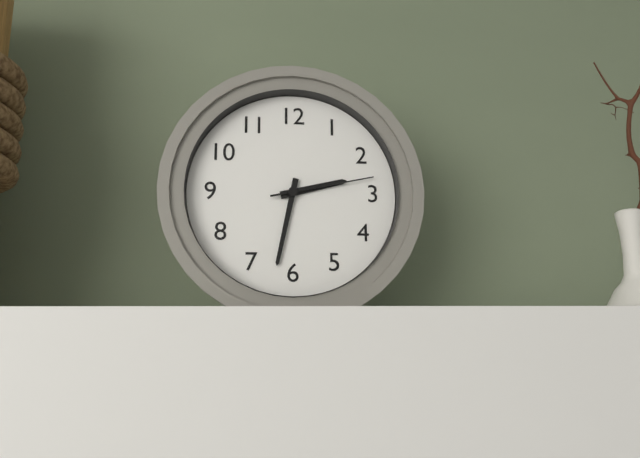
2 h 32 min 13 s
